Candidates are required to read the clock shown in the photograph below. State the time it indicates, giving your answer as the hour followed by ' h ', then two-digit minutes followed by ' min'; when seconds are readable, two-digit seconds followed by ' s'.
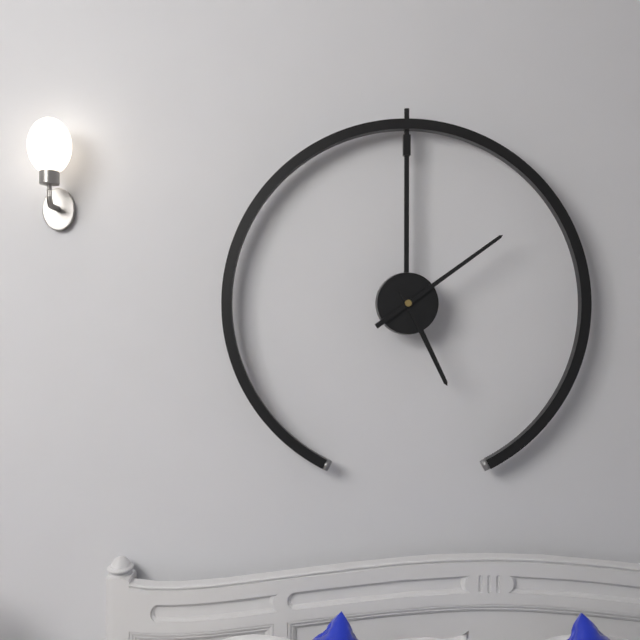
5 h 09 min
